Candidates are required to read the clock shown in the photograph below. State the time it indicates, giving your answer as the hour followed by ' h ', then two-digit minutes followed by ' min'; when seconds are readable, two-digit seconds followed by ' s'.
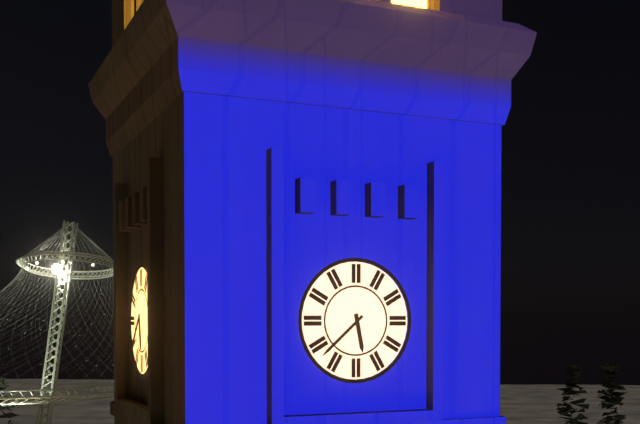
5 h 38 min
